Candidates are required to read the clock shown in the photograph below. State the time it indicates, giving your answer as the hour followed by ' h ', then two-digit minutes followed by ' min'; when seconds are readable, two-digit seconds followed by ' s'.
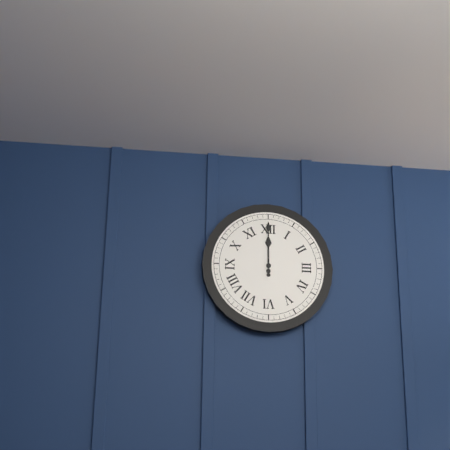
12 h 00 min
